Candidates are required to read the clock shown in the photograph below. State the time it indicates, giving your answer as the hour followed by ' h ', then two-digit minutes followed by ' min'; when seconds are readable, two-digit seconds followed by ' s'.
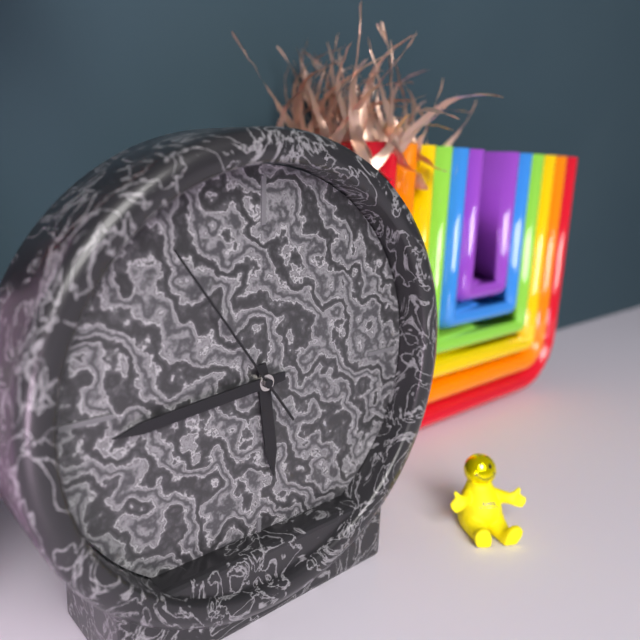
5 h 44 min 54 s
